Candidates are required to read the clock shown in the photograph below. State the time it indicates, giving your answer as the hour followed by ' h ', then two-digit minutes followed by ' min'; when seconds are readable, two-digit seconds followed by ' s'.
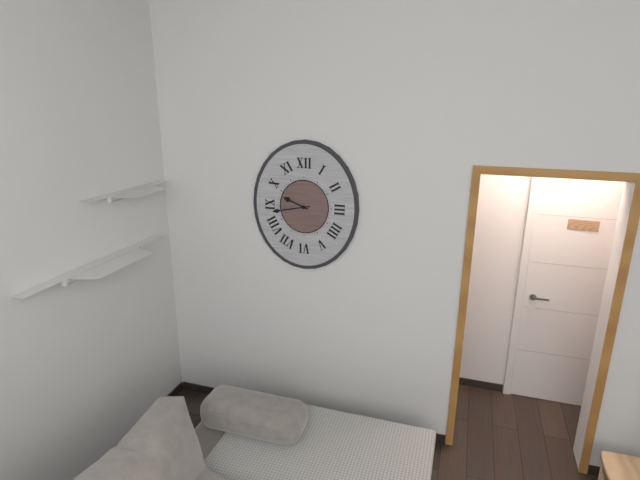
9 h 43 min
